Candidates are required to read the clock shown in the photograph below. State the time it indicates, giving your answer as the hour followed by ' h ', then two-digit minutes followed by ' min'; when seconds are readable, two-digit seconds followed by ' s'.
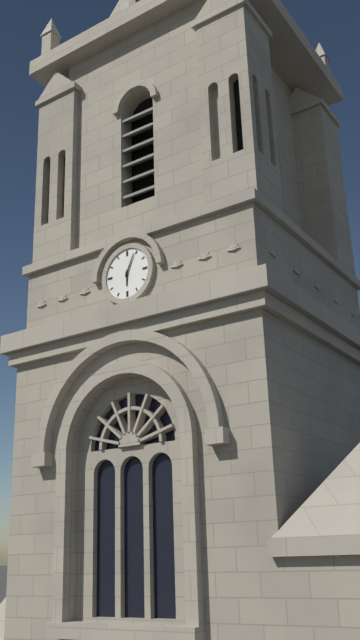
6 h 04 min
